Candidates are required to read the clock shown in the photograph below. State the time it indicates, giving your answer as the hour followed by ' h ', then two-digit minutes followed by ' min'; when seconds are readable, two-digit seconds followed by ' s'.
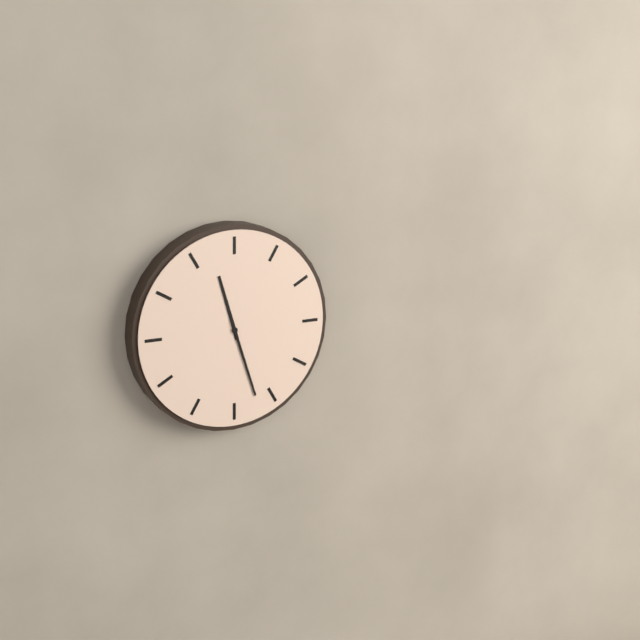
11 h 27 min
